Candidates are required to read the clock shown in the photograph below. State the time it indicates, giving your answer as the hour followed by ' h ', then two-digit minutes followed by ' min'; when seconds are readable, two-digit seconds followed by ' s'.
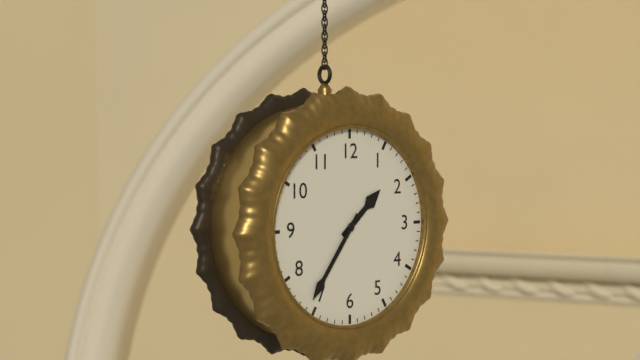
1 h 36 min
